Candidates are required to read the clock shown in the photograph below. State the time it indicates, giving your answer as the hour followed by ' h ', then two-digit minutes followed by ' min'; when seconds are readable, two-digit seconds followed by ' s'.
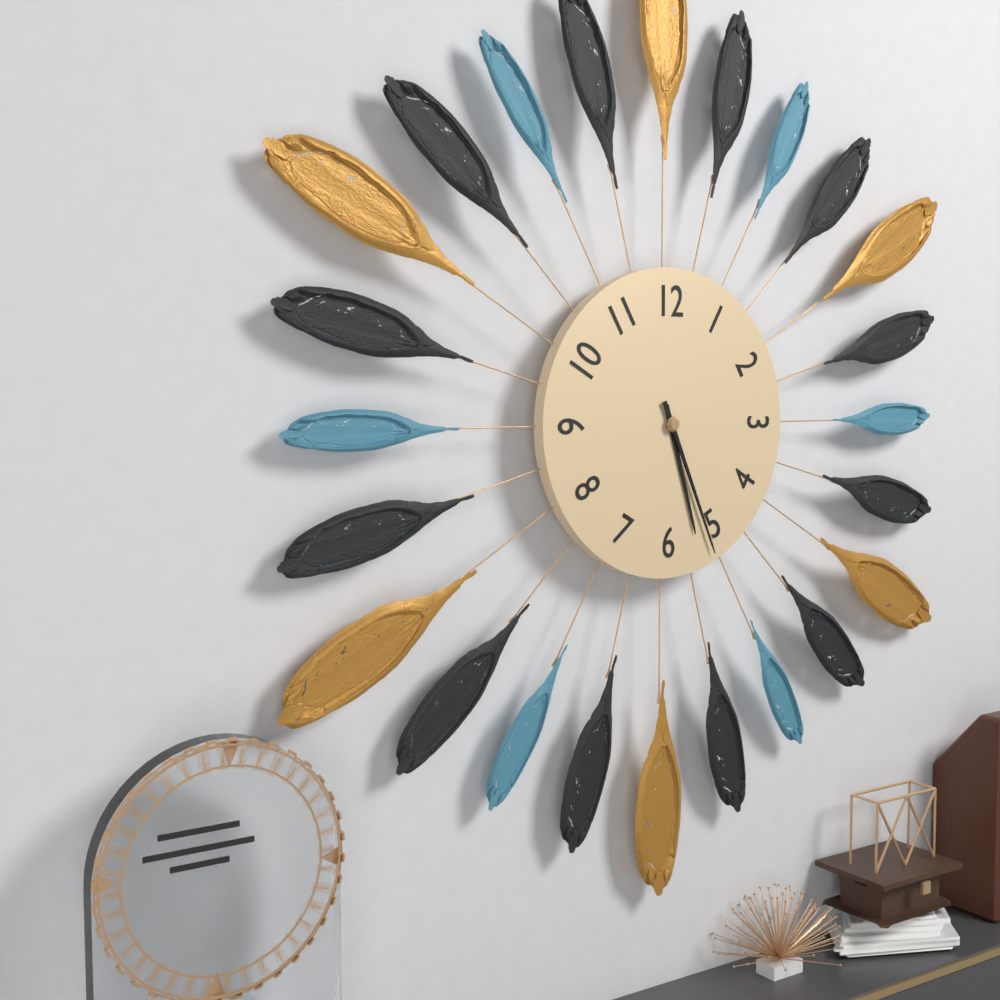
5 h 26 min
